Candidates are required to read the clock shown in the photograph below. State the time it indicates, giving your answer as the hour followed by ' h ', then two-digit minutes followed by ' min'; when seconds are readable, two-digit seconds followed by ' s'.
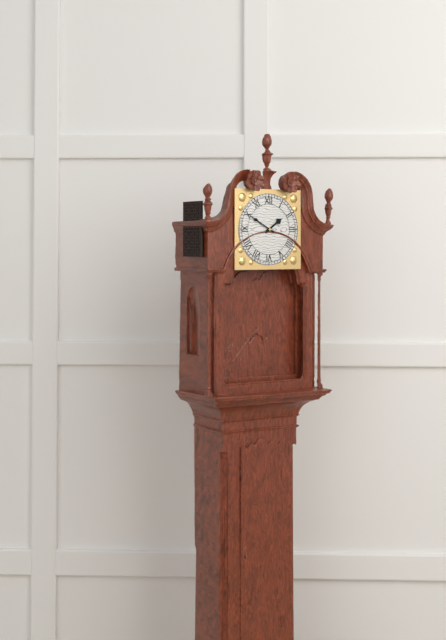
1 h 50 min
